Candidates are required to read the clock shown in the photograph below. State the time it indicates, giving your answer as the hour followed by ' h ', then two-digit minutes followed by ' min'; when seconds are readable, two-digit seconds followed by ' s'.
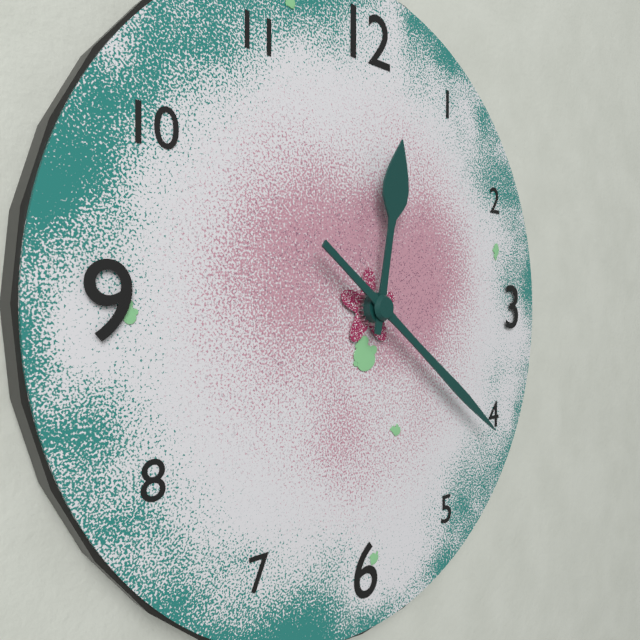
12 h 21 min
